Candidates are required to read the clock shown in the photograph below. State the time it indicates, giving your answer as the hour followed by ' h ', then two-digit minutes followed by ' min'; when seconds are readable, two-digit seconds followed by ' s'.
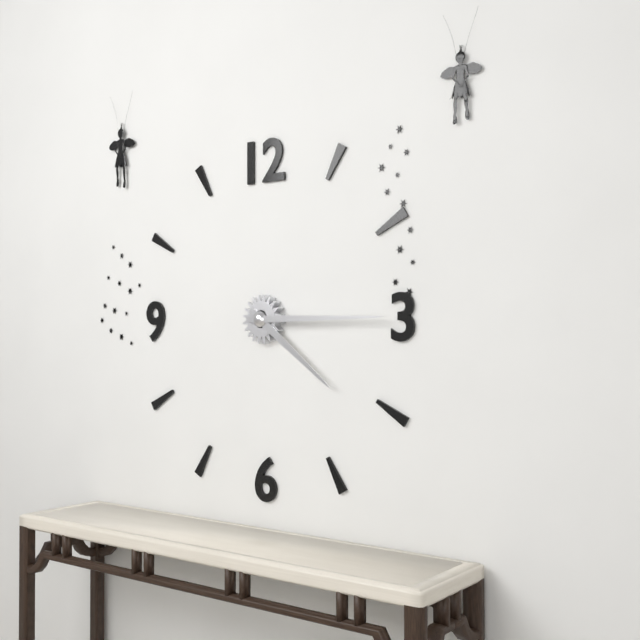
4 h 15 min
